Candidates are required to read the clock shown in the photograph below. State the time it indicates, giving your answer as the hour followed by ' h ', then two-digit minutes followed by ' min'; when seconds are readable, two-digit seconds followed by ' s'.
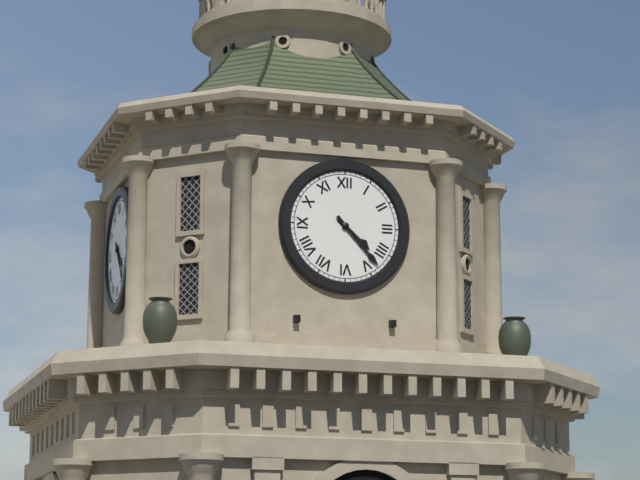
4 h 23 min
